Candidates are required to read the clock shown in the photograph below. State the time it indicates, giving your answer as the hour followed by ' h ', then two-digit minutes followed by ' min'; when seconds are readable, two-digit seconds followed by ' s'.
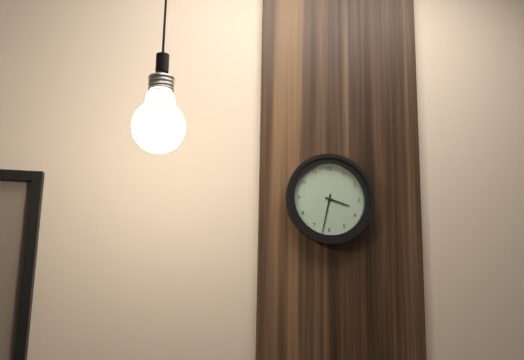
3 h 32 min
